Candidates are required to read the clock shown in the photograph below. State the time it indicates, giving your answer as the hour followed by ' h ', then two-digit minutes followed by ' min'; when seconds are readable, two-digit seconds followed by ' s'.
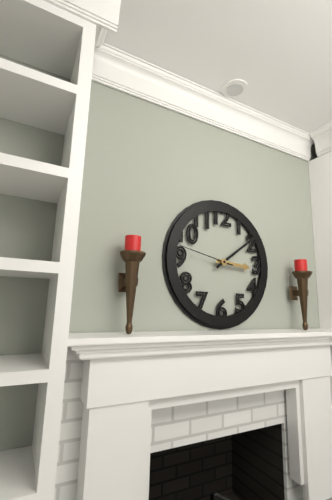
3 h 09 min 47 s
